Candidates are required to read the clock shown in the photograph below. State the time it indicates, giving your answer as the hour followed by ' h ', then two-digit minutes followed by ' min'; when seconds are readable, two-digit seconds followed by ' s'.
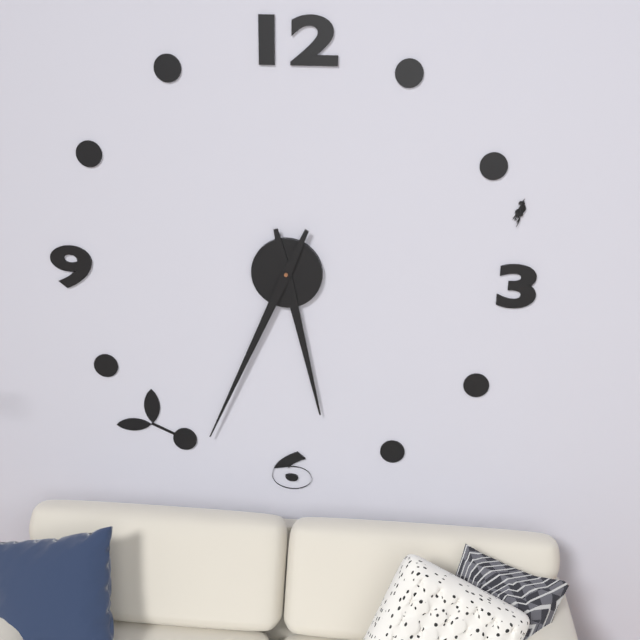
5 h 34 min
